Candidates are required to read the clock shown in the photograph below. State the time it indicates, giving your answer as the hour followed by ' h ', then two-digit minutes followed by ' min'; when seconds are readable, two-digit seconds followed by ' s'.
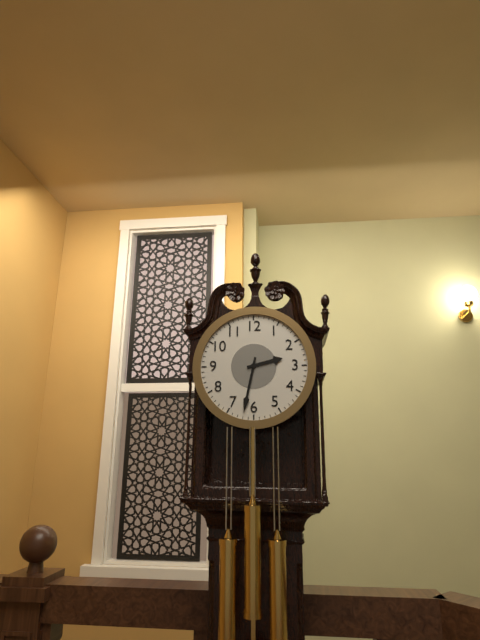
2 h 32 min
